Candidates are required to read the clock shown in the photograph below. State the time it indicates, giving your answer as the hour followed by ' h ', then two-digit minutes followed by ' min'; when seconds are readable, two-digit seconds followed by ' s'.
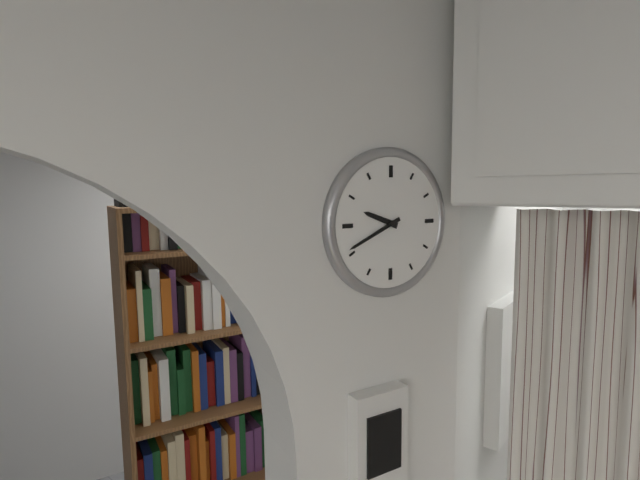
9 h 41 min
